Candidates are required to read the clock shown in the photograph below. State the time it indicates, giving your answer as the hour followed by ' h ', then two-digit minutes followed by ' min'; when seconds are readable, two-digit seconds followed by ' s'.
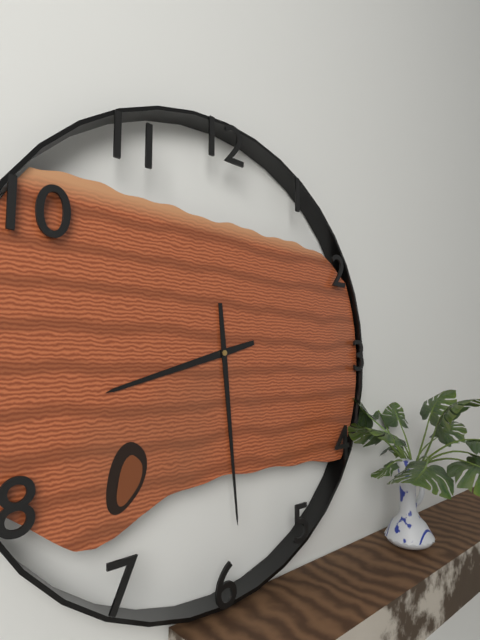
8 h 29 min
